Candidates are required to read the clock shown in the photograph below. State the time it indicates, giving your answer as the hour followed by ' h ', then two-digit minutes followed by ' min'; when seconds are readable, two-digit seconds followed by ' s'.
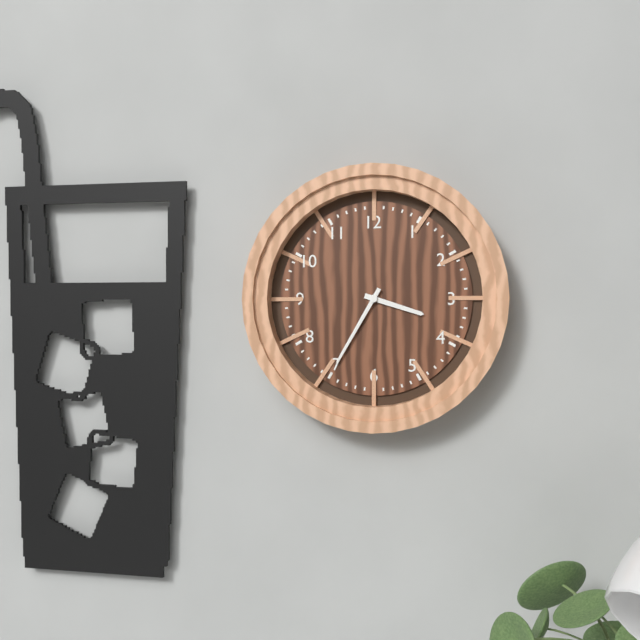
3 h 35 min
